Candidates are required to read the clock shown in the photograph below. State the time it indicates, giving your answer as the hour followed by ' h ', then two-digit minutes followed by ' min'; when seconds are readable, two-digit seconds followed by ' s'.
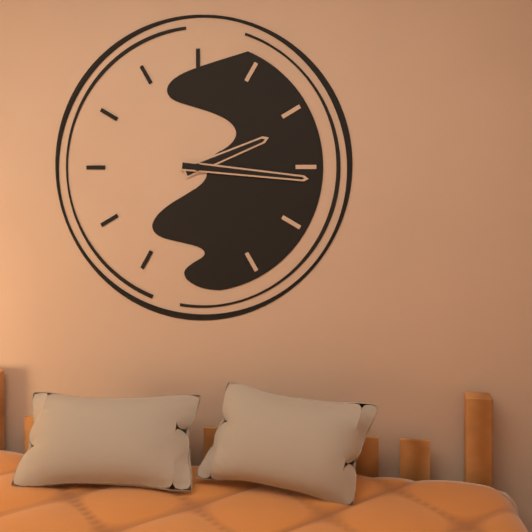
2 h 16 min
